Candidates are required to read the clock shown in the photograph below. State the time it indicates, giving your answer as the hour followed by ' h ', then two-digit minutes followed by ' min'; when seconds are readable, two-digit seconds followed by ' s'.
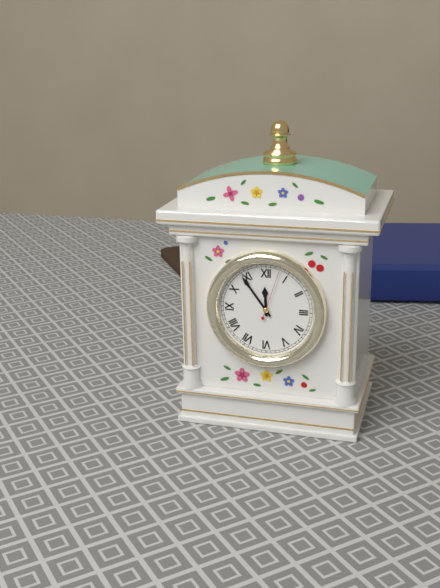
11 h 54 min 03 s
